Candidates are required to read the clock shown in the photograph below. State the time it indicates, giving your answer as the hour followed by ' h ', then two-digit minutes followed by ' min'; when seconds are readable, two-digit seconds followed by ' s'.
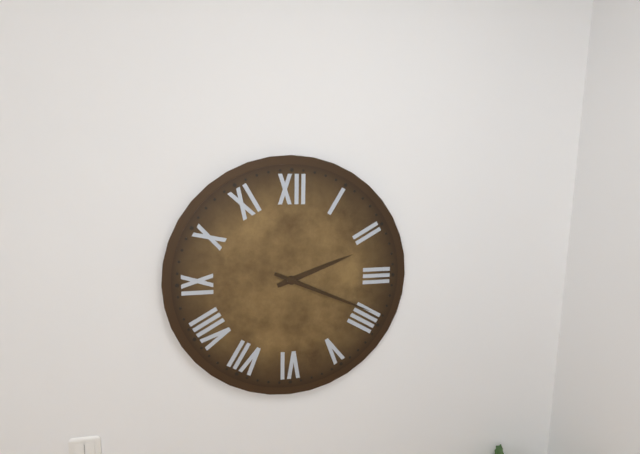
2 h 19 min
